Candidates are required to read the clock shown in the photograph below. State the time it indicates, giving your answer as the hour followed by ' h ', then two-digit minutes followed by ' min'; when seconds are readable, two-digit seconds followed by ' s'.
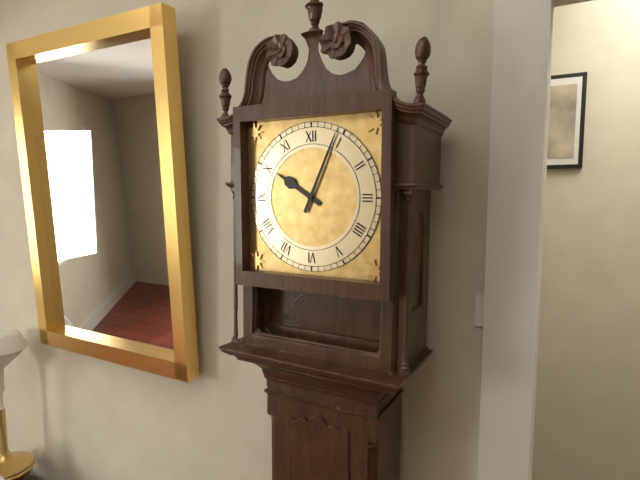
10 h 04 min
